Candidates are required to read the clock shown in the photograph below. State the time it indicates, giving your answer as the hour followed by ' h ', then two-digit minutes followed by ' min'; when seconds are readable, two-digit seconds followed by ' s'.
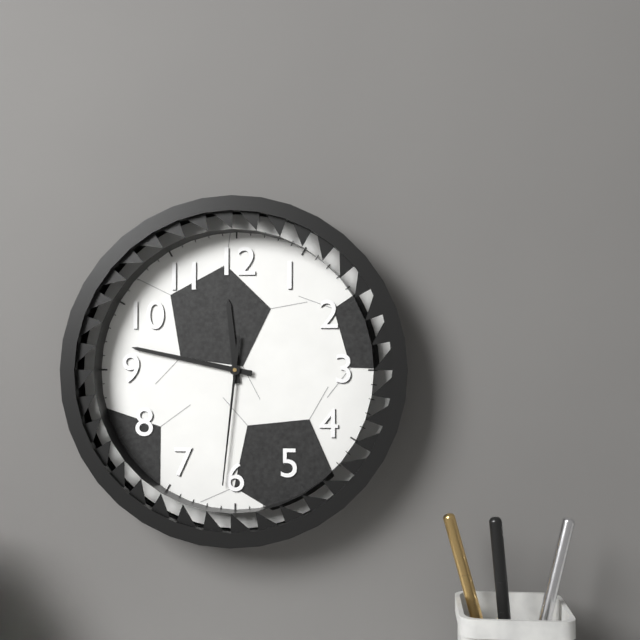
11 h 47 min 31 s
